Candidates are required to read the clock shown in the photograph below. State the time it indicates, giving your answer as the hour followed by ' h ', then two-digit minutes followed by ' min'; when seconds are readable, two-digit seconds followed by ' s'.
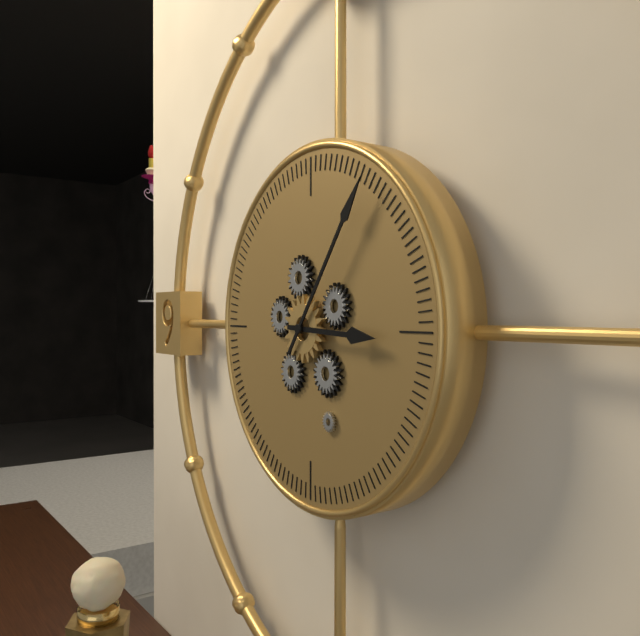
3 h 06 min
